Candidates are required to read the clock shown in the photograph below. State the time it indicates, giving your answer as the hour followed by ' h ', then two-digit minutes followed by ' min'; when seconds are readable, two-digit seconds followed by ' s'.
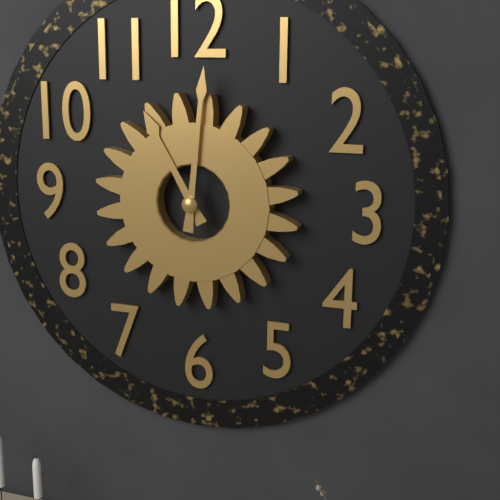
11 h 01 min
